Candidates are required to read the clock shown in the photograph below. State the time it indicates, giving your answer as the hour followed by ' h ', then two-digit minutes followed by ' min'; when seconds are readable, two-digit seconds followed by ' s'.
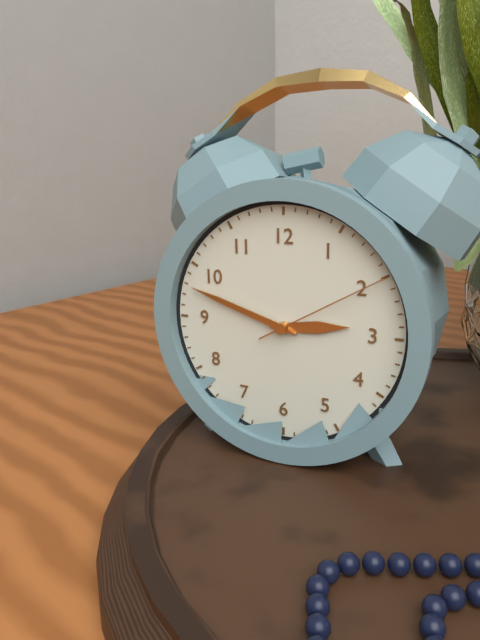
2 h 48 min 10 s
